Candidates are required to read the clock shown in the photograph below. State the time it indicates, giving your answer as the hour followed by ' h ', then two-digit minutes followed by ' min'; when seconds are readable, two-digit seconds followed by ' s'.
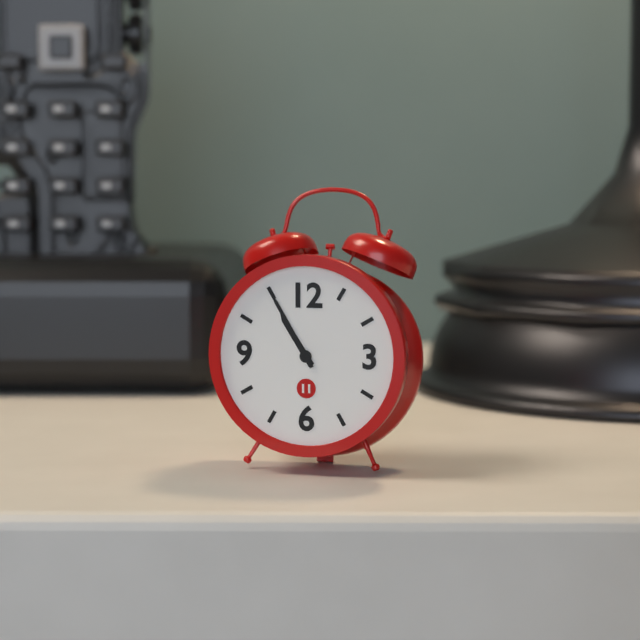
10 h 55 min
